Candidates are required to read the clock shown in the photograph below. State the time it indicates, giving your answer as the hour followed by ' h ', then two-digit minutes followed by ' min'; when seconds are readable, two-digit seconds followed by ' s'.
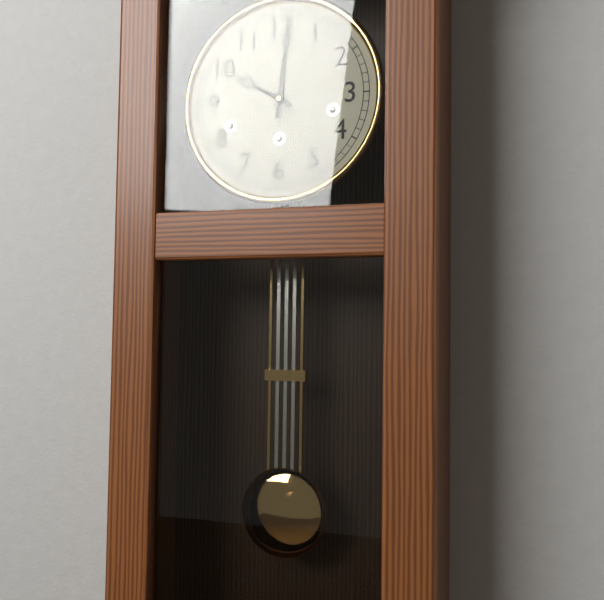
10 h 01 min
